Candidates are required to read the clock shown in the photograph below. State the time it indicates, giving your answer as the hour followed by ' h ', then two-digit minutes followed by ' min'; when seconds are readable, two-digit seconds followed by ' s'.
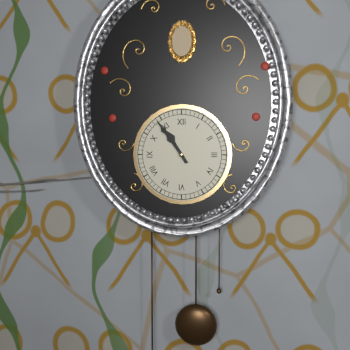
10 h 54 min
